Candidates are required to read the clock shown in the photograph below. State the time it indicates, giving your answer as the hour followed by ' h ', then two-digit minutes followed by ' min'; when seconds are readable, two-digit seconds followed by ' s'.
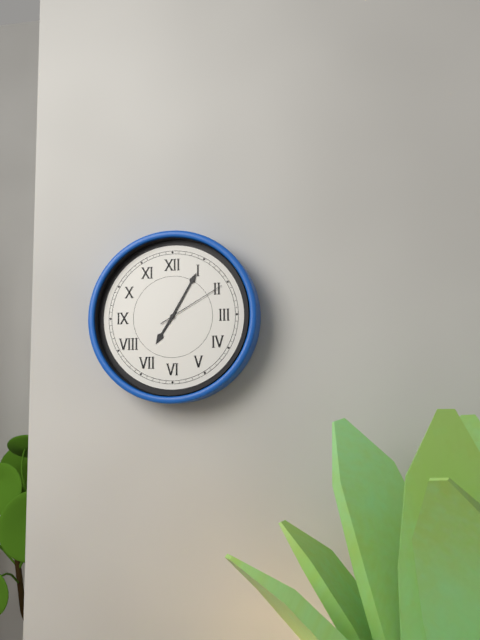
7 h 05 min 10 s
